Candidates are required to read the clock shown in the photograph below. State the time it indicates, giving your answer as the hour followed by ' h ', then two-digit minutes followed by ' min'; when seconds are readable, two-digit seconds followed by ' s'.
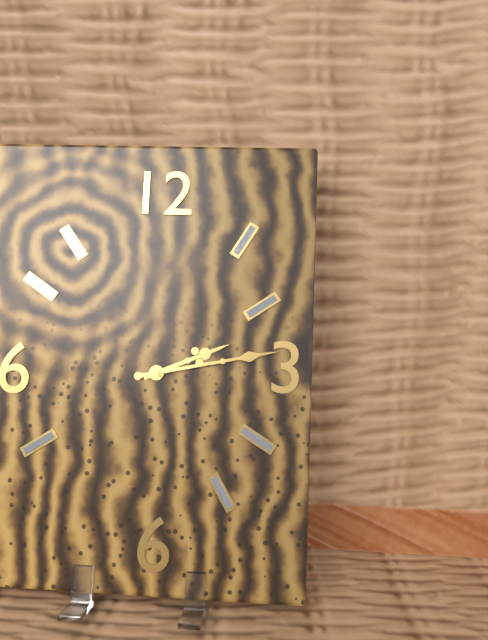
2 h 13 min
